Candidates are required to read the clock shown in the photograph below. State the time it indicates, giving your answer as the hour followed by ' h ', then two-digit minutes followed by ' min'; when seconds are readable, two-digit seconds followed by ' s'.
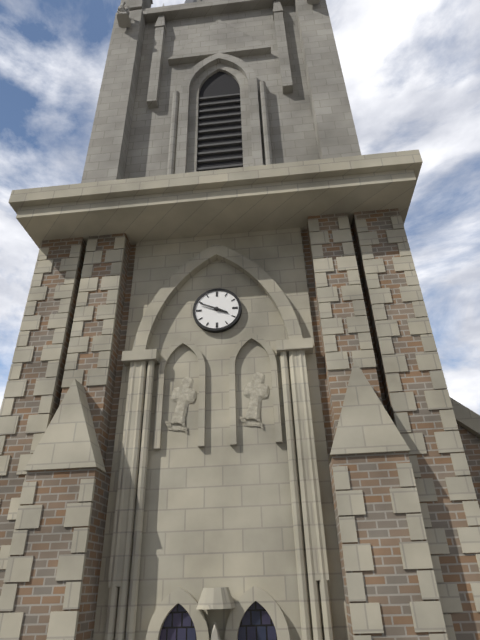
3 h 49 min
